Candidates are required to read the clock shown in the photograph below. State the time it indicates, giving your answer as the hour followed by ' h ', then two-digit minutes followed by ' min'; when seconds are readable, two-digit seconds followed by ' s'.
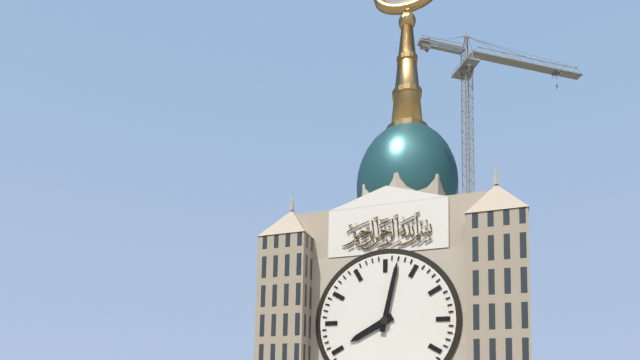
8 h 02 min
